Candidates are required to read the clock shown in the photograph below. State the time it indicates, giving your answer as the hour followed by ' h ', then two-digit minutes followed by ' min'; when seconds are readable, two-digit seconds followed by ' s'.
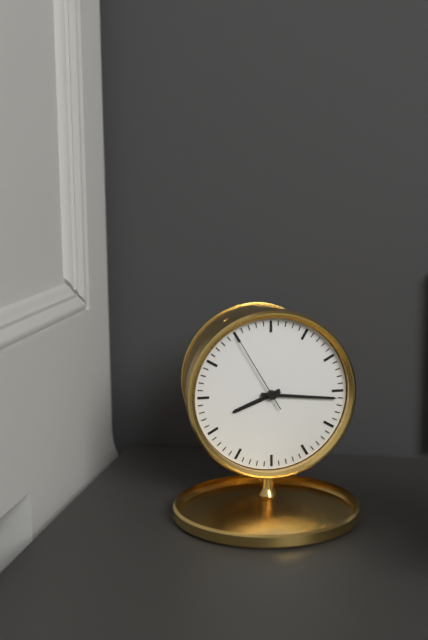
8 h 16 min 55 s
